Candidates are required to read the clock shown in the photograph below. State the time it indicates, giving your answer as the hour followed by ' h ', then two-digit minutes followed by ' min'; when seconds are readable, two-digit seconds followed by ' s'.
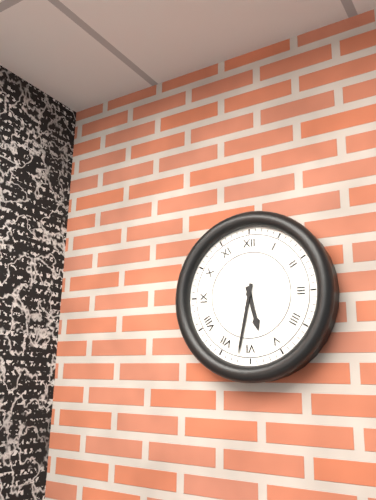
5 h 32 min
